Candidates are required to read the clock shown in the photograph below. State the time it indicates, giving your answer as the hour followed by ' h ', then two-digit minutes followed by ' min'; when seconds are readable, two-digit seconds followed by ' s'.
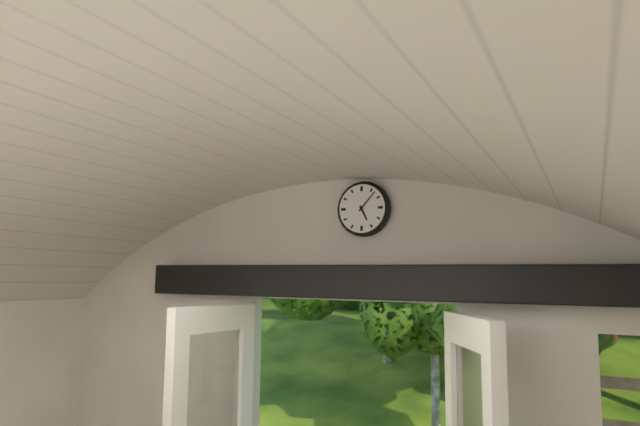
5 h 07 min
